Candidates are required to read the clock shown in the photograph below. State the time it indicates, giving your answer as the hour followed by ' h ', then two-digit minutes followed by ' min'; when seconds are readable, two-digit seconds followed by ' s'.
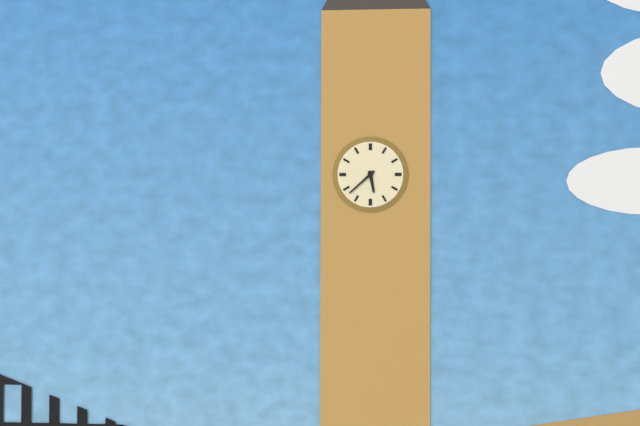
5 h 38 min
